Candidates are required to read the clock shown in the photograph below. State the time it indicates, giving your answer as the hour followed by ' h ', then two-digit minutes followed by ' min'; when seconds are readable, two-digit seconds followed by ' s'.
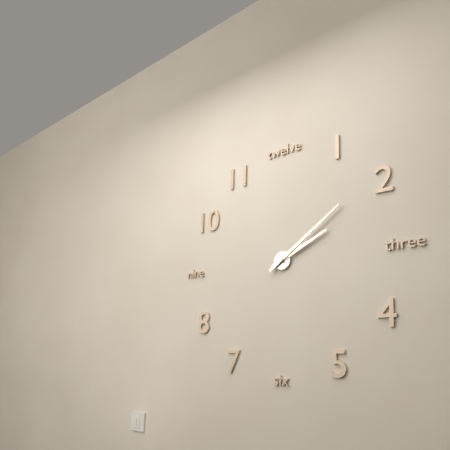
2 h 09 min
